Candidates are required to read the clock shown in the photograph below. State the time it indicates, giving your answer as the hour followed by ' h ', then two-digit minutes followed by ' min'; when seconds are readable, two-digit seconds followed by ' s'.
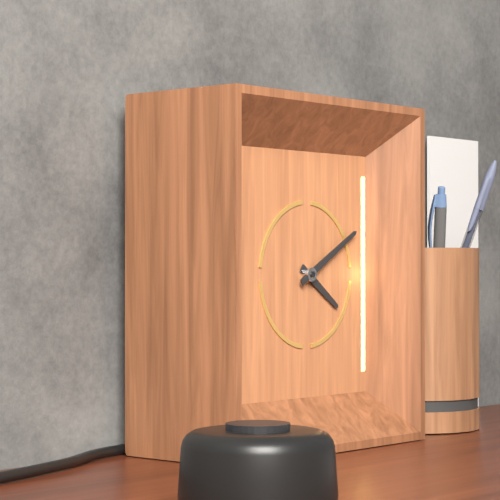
4 h 10 min
